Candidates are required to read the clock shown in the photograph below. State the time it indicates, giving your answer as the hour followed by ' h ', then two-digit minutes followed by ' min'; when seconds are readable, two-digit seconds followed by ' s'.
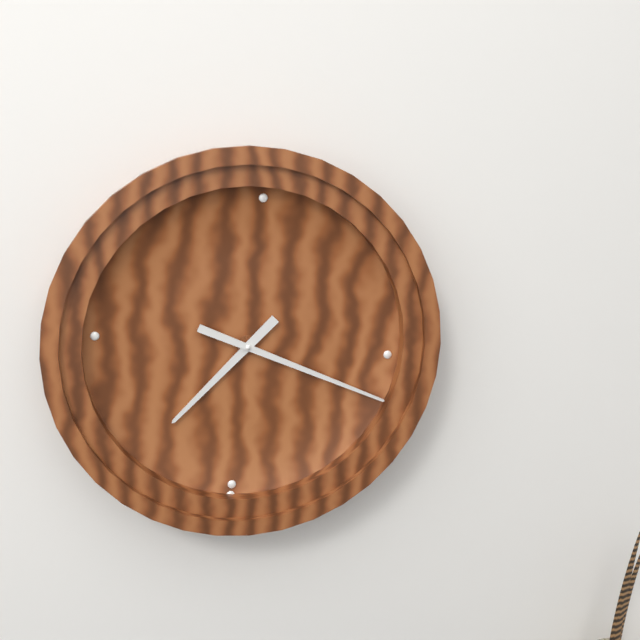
7 h 18 min
